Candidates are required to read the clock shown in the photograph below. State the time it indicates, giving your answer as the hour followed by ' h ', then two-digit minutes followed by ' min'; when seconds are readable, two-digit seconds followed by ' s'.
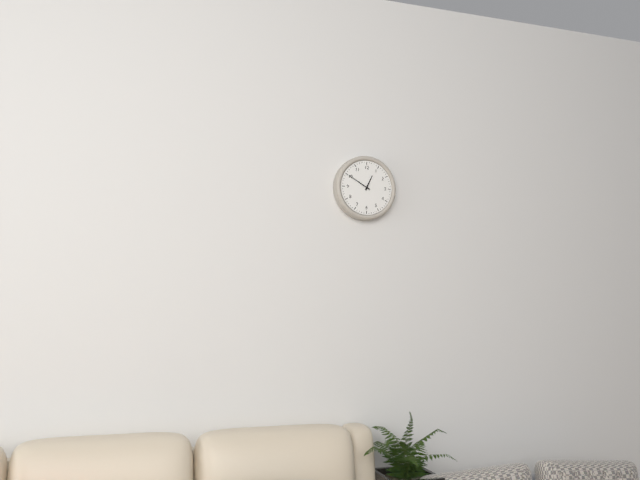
12 h 50 min
